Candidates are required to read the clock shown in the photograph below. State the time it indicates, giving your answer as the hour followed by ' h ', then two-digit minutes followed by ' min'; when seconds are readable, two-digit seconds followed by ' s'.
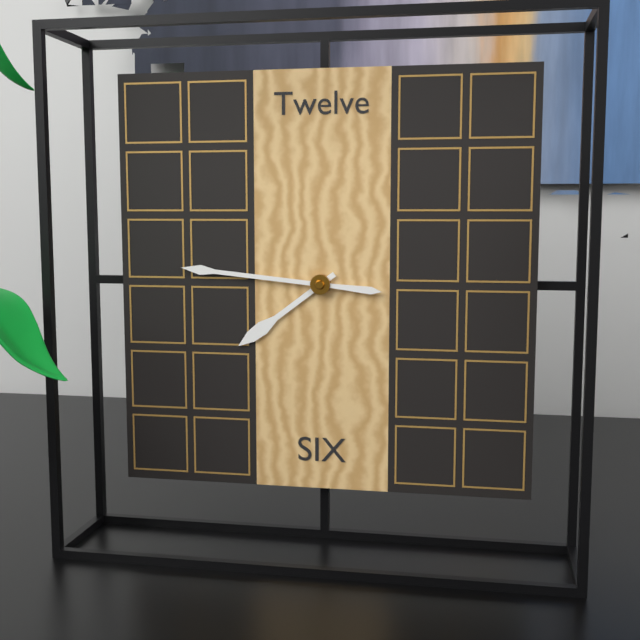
7 h 46 min
